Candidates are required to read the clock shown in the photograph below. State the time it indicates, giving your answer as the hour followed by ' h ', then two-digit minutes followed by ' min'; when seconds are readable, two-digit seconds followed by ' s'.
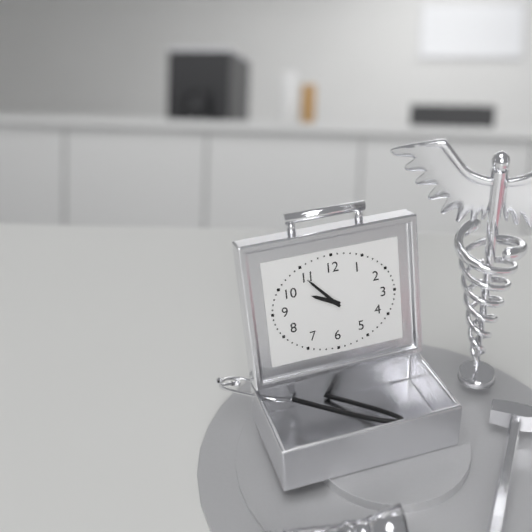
9 h 53 min
